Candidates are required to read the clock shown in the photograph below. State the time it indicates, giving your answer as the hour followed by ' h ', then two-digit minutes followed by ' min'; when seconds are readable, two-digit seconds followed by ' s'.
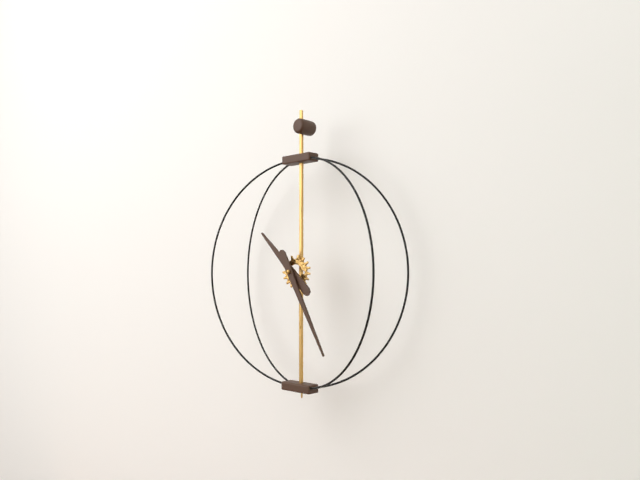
10 h 25 min
